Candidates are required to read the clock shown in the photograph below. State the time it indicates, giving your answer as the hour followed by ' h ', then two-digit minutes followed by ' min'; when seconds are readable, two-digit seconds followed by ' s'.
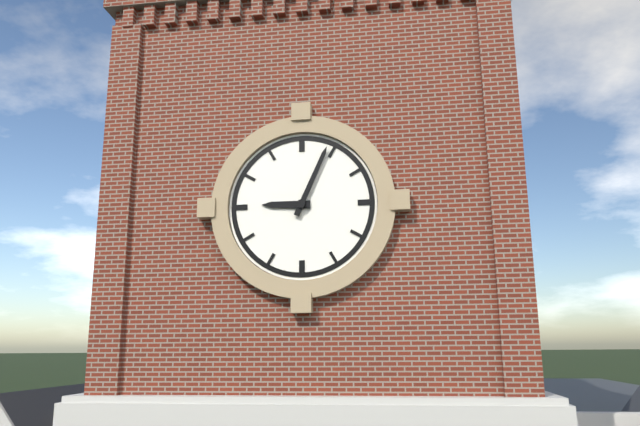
9 h 04 min
